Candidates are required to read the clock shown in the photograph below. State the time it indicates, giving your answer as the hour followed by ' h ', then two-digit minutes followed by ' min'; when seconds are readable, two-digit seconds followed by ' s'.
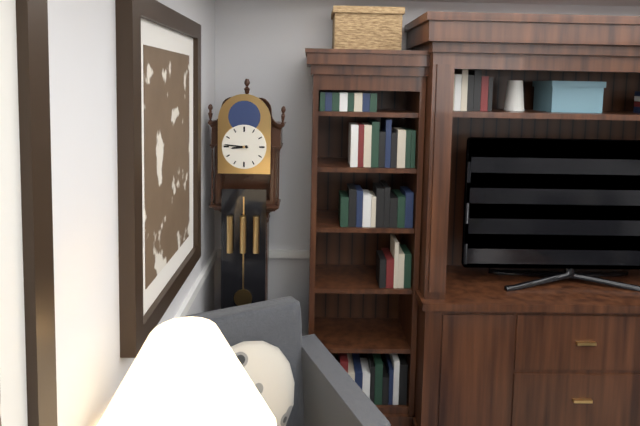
8 h 46 min
